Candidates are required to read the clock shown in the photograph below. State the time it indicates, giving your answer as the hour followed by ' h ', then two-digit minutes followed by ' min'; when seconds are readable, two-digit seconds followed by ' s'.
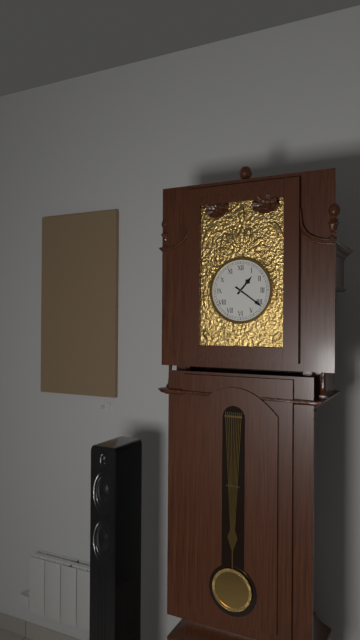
1 h 21 min
